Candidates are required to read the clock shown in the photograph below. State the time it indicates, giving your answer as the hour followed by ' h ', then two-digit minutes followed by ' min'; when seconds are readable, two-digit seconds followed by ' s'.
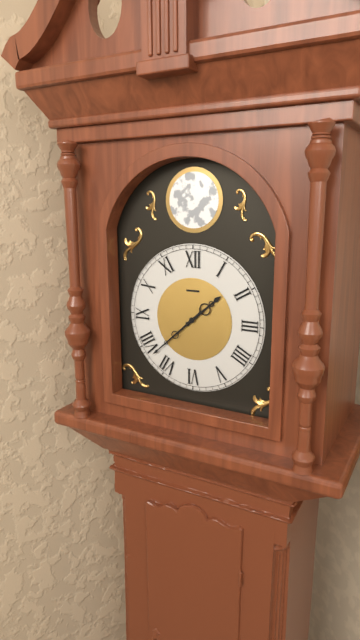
1 h 38 min
